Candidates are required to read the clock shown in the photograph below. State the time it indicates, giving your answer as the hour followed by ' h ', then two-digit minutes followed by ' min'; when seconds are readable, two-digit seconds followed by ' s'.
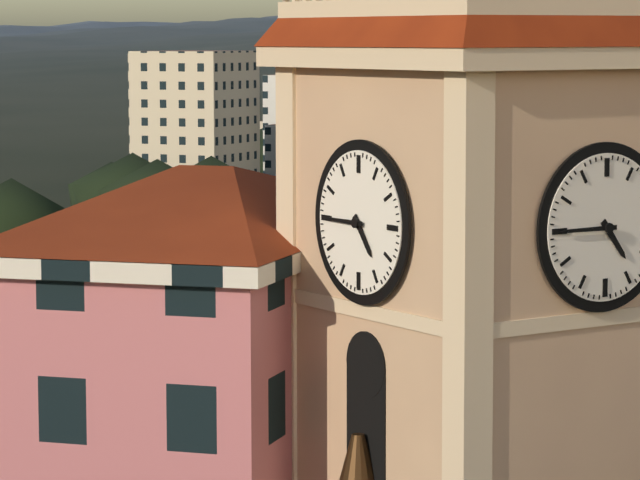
4 h 45 min
